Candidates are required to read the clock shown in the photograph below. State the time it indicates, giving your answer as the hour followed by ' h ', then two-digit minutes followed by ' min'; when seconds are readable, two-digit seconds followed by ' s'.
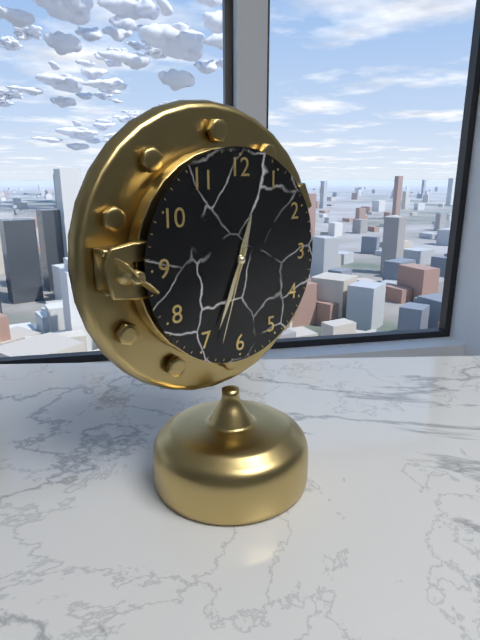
12 h 34 min 33 s
